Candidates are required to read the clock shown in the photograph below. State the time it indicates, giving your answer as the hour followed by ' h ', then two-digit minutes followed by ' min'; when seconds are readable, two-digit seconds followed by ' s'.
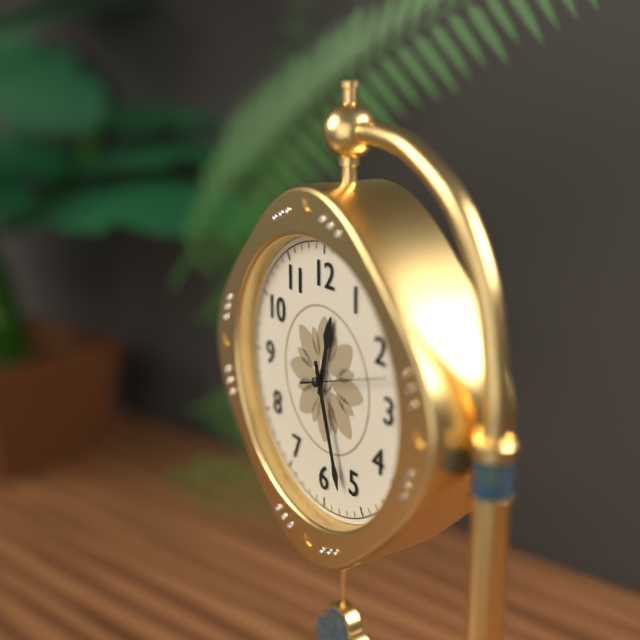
12 h 27 min 12 s
